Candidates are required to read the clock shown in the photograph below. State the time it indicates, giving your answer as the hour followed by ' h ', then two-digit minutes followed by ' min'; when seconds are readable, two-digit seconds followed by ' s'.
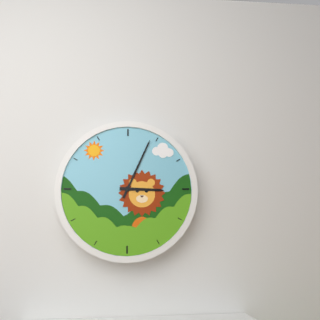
3 h 04 min
